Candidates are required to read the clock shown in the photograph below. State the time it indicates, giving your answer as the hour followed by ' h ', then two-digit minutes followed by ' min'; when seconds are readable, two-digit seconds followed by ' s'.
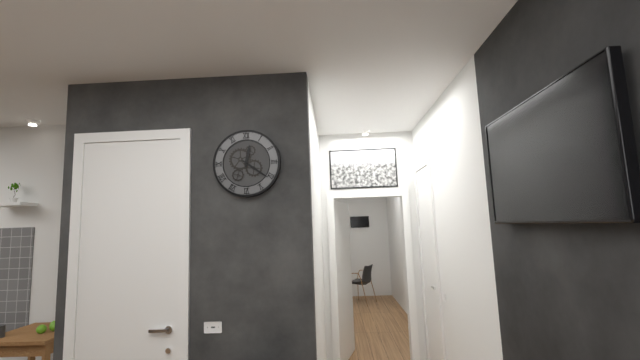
12 h 21 min
